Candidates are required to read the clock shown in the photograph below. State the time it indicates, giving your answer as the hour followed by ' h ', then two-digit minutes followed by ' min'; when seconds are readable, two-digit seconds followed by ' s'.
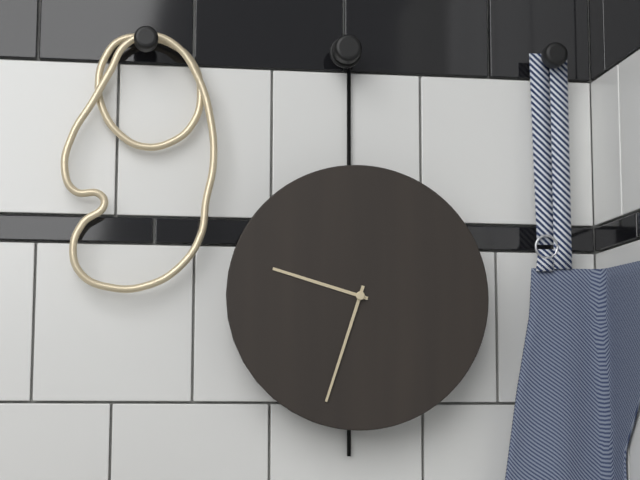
9 h 33 min
